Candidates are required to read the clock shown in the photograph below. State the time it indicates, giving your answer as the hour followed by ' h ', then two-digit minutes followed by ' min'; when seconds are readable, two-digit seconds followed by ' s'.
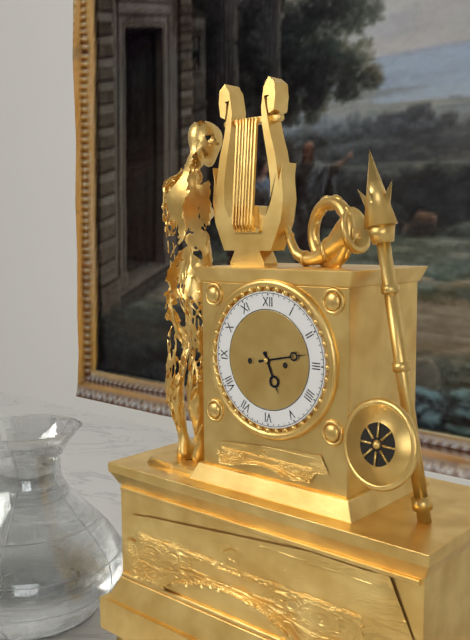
5 h 13 min
